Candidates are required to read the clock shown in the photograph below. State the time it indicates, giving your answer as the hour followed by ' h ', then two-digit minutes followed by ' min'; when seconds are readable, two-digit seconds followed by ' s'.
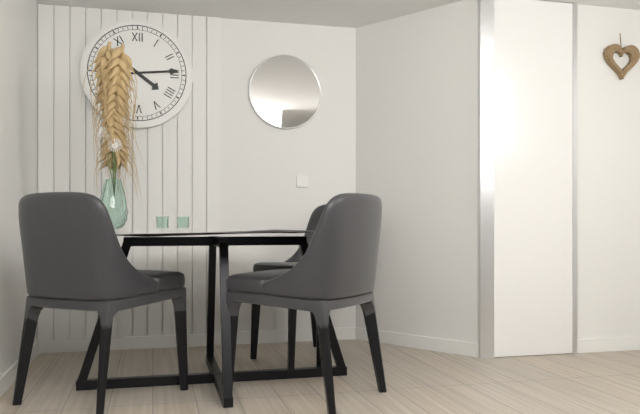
4 h 14 min
